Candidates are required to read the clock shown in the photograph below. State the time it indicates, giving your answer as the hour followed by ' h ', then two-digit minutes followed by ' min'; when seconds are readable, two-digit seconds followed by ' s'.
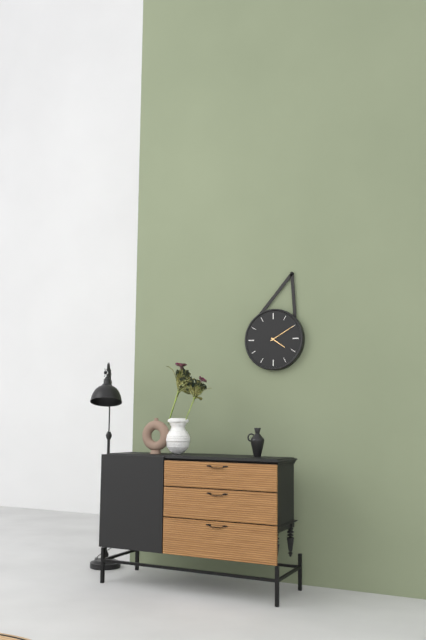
4 h 10 min
